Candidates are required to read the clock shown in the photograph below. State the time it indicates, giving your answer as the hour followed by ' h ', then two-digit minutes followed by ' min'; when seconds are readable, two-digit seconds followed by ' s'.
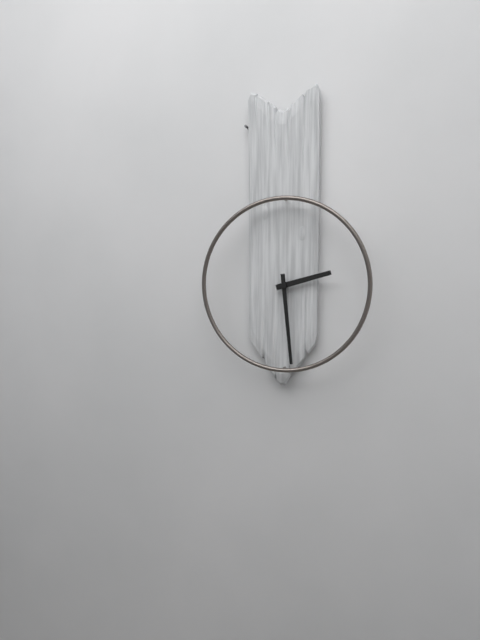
2 h 29 min
